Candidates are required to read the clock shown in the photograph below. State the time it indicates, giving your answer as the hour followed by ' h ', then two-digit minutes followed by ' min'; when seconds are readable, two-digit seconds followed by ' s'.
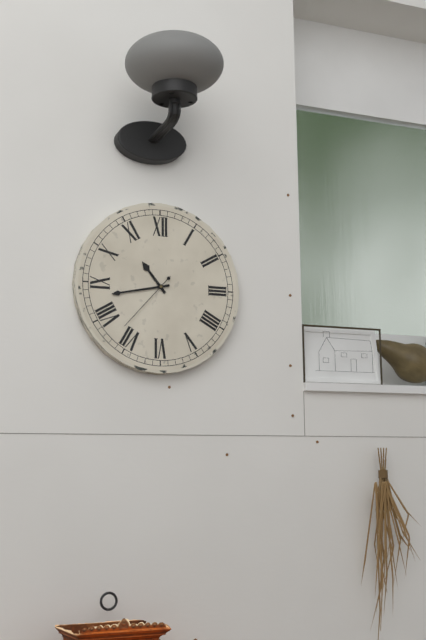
10 h 43 min 37 s
